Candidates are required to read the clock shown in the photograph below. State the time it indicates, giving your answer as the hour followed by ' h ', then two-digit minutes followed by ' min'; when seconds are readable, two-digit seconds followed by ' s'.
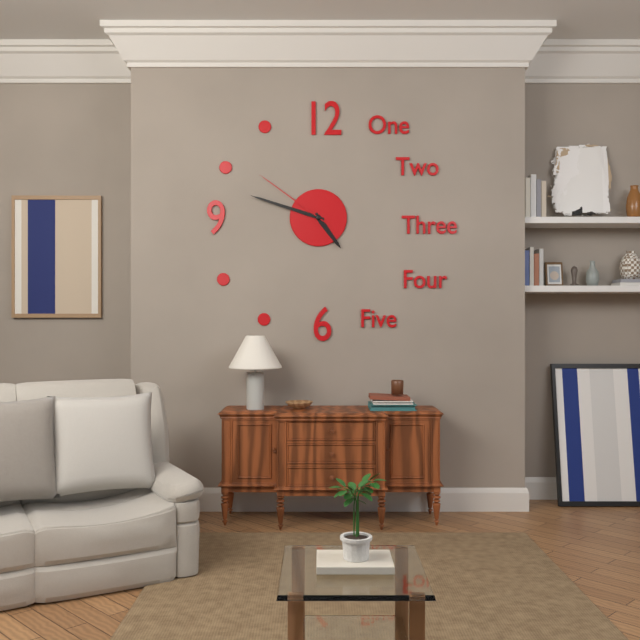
4 h 48 min 51 s
